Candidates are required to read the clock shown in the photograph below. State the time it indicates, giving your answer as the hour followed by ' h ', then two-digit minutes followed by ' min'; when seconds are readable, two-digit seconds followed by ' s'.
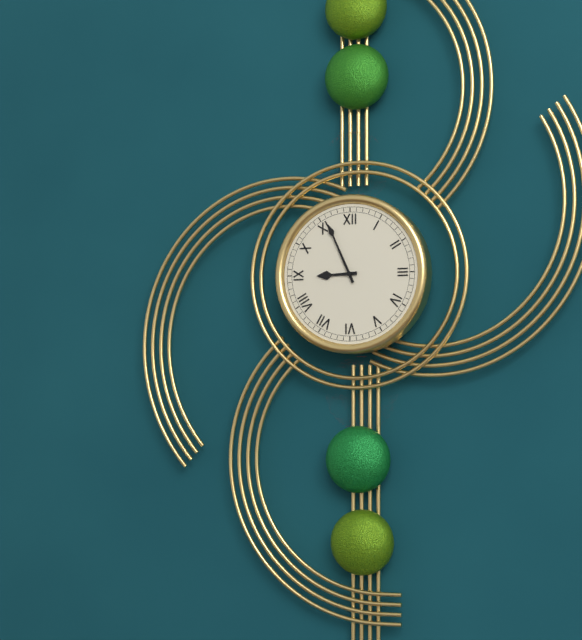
8 h 56 min
